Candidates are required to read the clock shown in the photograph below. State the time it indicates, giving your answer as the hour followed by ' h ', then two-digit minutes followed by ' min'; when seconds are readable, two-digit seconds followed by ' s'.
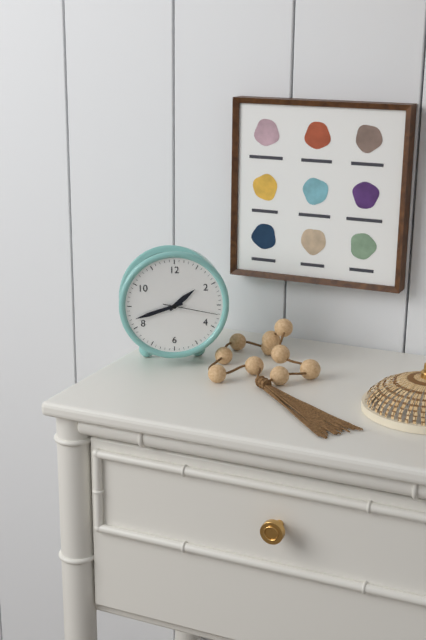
1 h 42 min 17 s
